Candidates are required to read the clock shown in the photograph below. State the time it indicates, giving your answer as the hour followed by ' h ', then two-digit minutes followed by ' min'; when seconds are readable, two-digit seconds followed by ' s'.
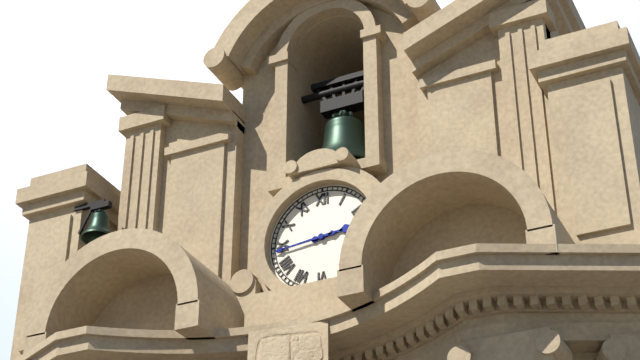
2 h 44 min
